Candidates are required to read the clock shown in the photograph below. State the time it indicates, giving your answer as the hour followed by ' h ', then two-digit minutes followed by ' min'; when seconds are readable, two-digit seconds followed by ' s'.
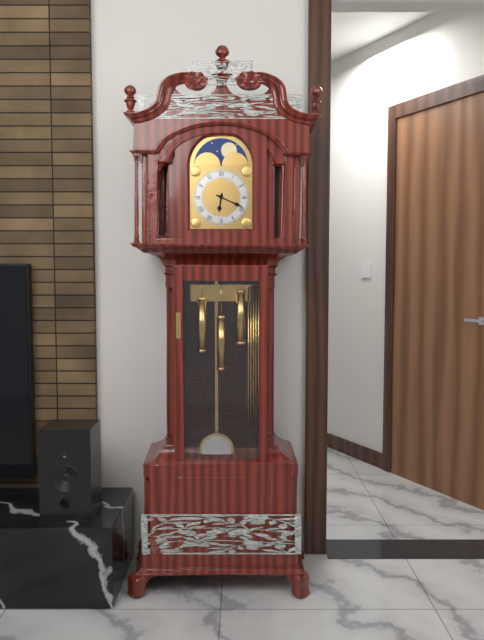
6 h 19 min
